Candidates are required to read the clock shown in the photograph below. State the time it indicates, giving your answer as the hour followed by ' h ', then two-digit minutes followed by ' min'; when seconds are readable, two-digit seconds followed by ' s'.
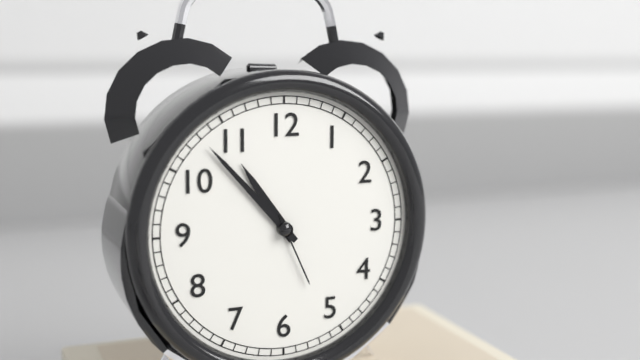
10 h 53 min 26 s
